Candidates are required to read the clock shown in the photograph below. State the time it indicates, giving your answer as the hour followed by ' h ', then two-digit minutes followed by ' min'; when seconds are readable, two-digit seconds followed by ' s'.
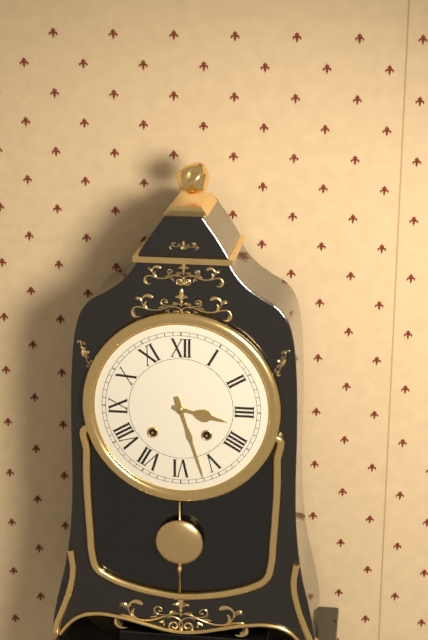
3 h 27 min
